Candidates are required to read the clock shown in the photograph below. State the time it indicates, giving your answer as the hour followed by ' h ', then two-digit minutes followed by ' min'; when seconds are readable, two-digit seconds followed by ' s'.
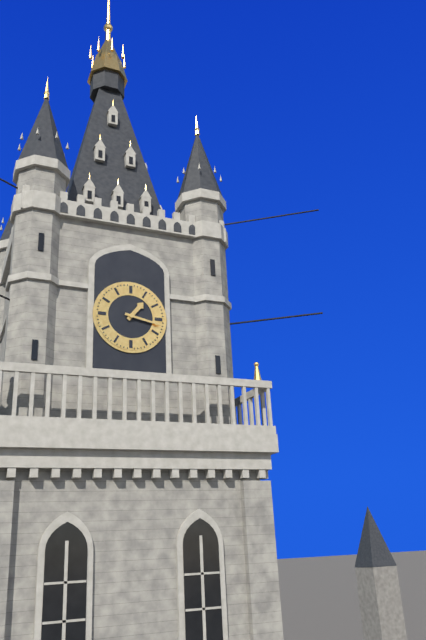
1 h 17 min
